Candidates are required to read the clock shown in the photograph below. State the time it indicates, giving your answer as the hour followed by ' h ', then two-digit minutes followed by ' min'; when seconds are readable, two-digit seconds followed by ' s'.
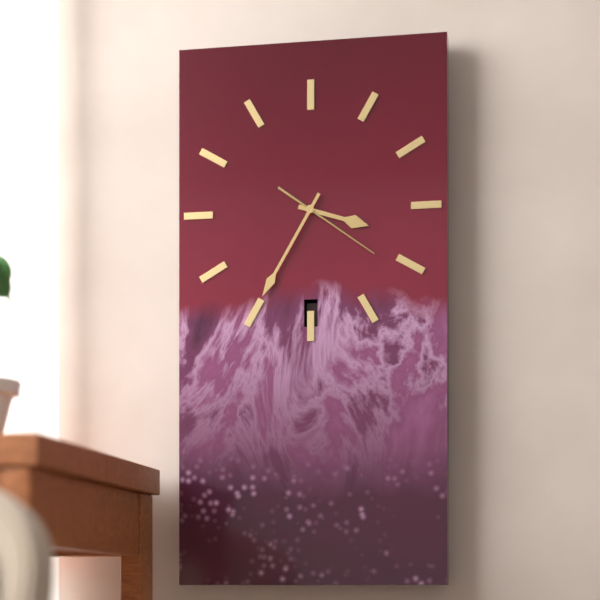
3 h 35 min 21 s
